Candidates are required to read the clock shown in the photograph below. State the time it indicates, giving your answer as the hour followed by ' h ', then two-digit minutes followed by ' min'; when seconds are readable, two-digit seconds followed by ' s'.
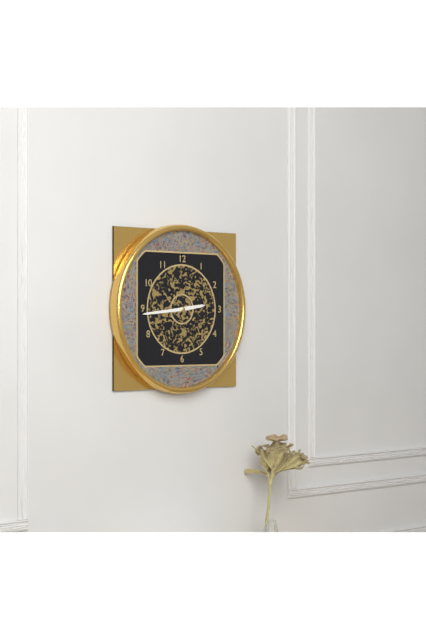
2 h 44 min
